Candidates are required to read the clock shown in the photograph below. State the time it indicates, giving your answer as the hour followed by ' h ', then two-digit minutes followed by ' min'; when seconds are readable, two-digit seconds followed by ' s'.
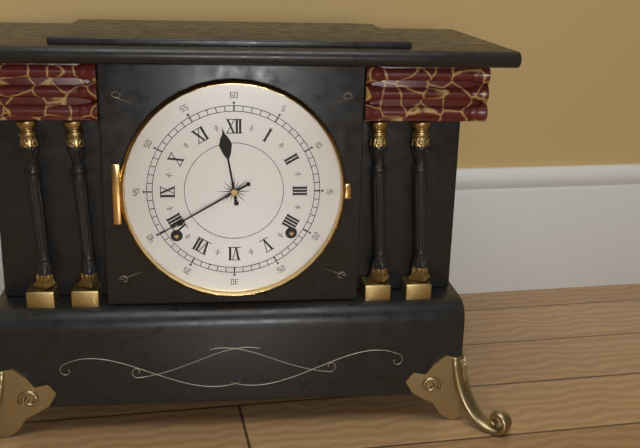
11 h 40 min
